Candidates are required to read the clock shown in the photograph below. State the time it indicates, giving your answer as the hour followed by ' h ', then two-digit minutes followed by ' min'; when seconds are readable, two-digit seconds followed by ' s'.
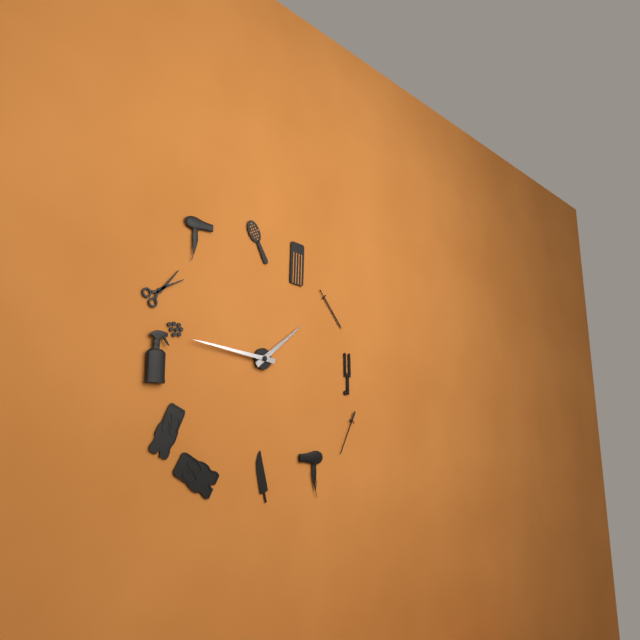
1 h 46 min
